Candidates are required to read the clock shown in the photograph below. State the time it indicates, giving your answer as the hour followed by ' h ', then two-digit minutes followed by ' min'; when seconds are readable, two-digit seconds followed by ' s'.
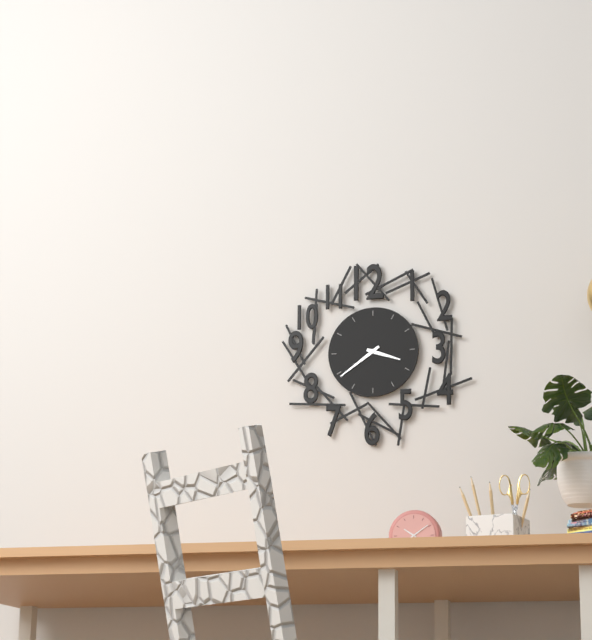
3 h 39 min
